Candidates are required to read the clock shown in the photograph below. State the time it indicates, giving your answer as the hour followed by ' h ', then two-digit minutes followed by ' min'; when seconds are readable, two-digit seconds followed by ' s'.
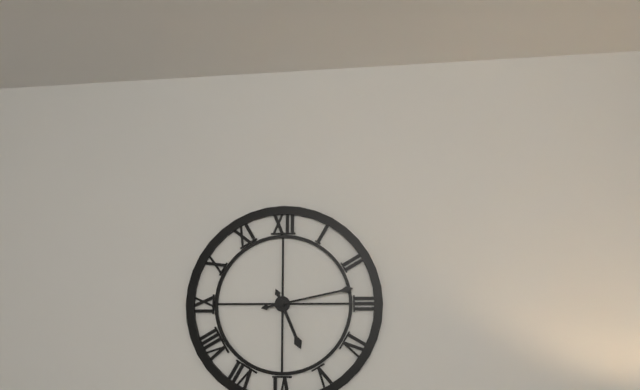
5 h 13 min
